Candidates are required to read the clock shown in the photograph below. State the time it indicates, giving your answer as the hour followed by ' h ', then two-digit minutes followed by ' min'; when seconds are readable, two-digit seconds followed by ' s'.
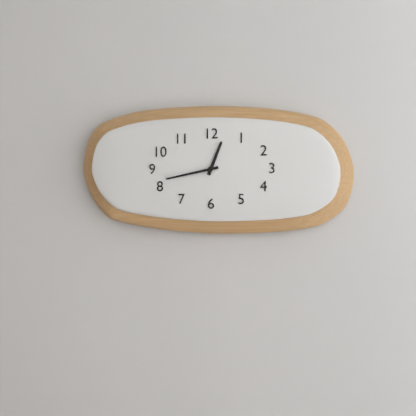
12 h 43 min
